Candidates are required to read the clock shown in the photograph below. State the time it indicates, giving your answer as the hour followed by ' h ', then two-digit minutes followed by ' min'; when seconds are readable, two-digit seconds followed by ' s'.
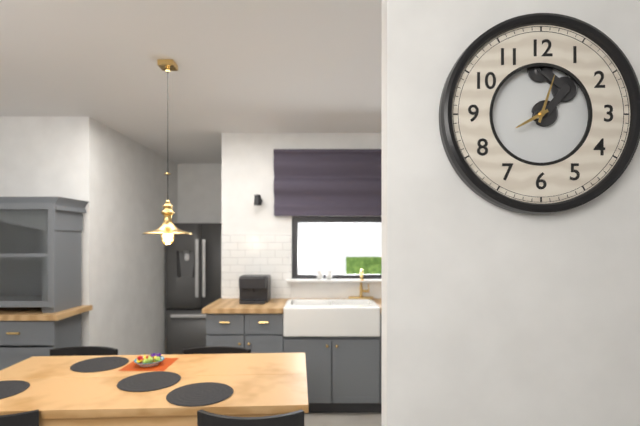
8 h 03 min
